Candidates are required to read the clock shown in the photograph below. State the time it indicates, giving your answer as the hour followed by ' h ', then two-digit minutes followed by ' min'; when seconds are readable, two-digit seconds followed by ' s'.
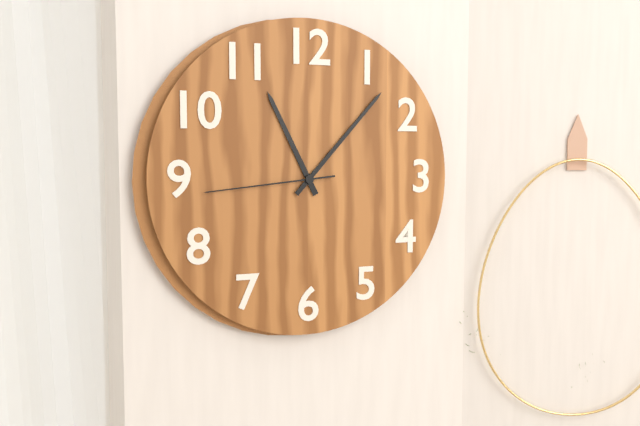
11 h 07 min 44 s
